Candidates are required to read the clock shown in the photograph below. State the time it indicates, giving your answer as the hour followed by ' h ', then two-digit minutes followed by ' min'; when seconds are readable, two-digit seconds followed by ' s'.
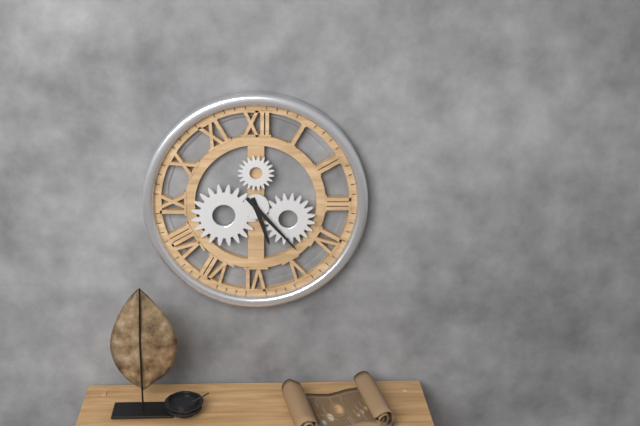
5 h 23 min
